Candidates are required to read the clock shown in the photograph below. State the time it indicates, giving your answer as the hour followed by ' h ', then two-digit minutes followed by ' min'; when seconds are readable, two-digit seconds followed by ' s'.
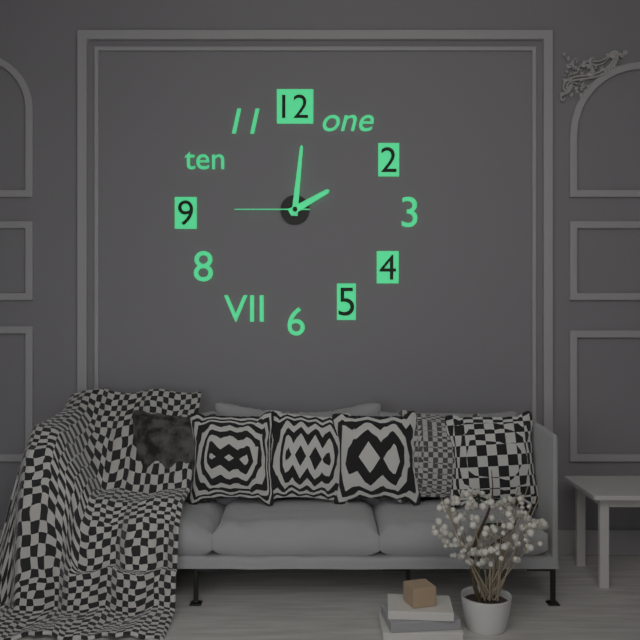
2 h 01 min 45 s
